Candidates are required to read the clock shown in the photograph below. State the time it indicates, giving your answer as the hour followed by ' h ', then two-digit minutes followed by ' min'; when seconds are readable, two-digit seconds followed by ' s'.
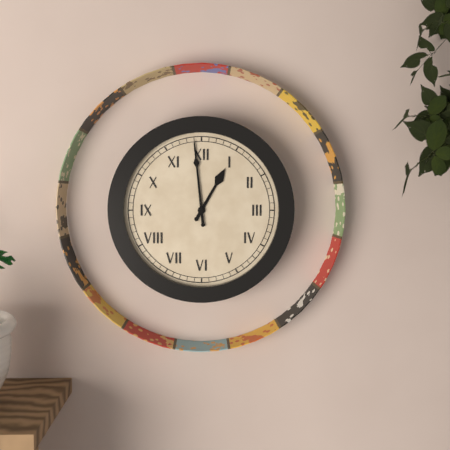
12 h 59 min
